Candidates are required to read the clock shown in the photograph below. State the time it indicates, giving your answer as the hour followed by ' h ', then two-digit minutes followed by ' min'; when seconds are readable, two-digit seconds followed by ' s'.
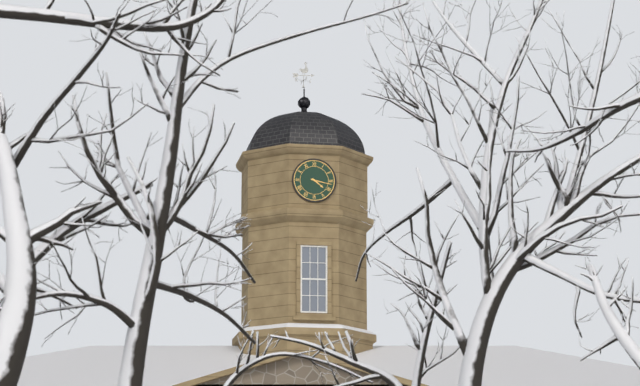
4 h 17 min
